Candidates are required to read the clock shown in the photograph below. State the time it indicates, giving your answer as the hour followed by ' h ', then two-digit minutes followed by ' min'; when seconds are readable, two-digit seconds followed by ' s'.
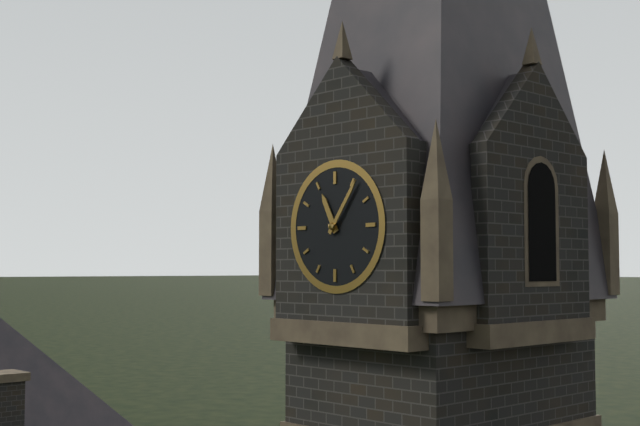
11 h 06 min
